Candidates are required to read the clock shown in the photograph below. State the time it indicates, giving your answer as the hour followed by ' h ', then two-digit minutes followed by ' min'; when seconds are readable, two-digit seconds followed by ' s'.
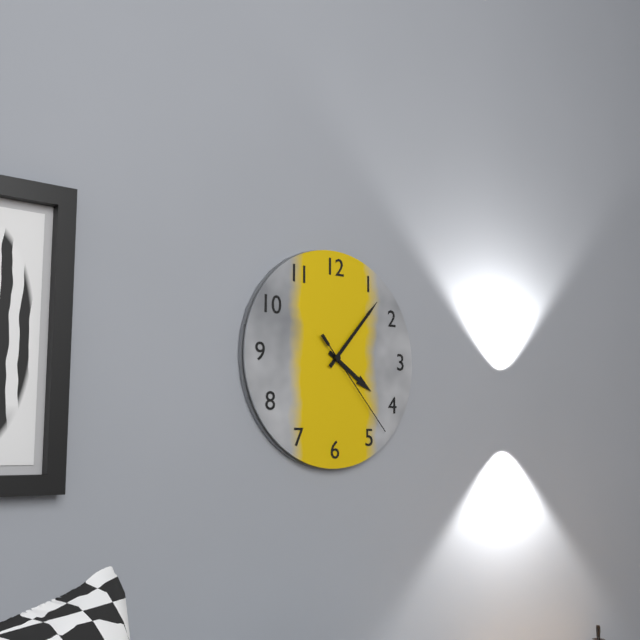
4 h 07 min 23 s
